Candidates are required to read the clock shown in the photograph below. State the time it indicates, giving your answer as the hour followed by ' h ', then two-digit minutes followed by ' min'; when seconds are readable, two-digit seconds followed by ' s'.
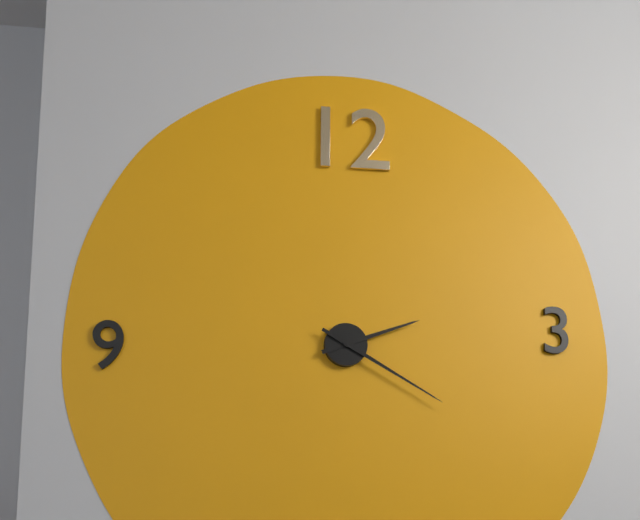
2 h 20 min
